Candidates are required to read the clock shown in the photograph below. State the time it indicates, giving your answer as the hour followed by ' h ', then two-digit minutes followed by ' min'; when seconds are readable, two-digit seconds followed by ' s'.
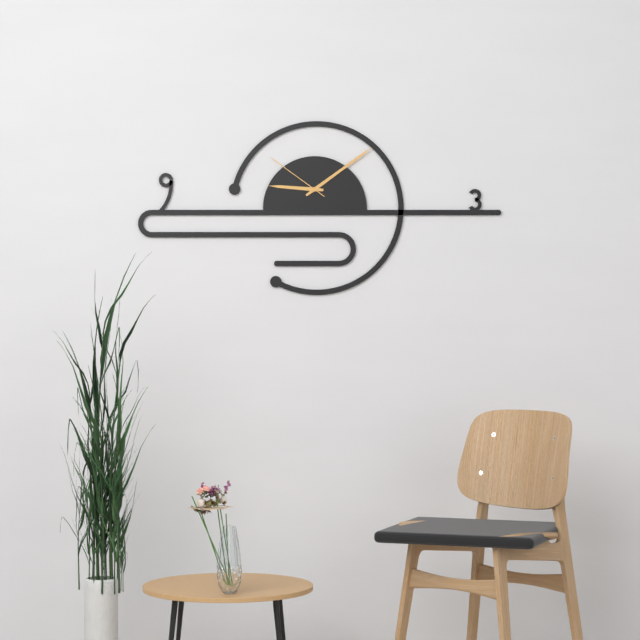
9 h 09 min 51 s
